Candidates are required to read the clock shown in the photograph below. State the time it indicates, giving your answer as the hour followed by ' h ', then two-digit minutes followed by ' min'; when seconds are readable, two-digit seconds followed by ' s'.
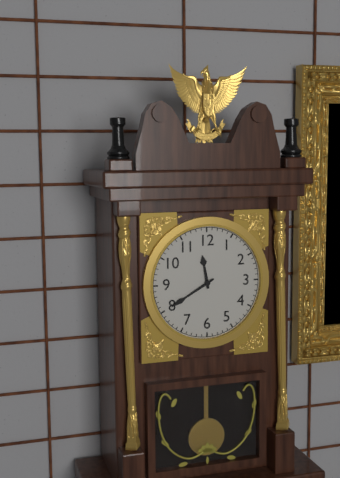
11 h 40 min
